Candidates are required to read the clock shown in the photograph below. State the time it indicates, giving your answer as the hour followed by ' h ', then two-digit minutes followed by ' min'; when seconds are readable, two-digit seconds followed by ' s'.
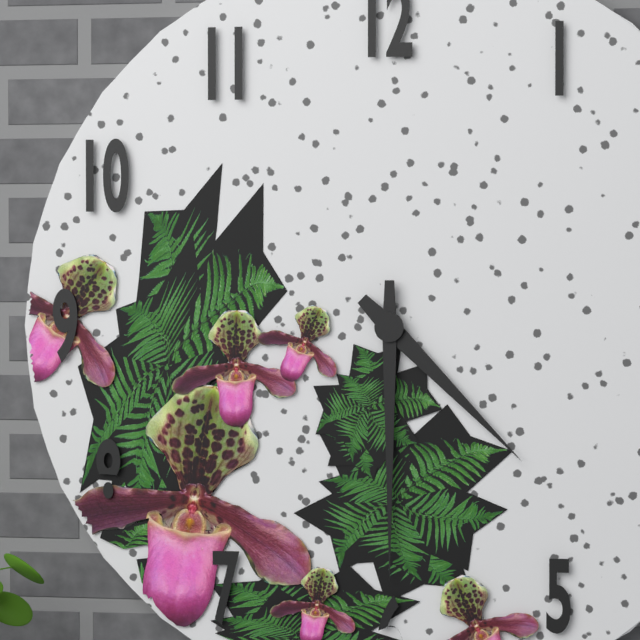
4 h 30 min
